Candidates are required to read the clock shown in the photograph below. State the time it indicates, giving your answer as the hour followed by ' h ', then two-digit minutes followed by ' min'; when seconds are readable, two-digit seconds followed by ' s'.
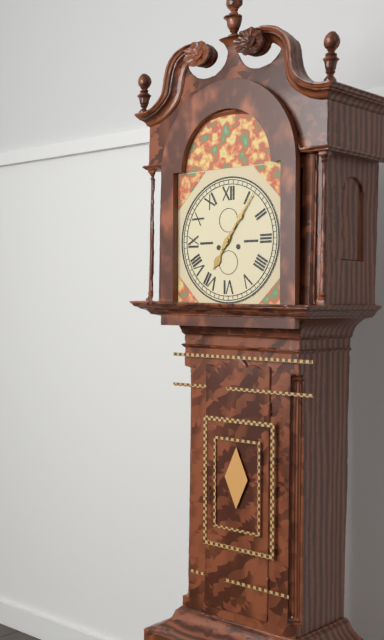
7 h 06 min
